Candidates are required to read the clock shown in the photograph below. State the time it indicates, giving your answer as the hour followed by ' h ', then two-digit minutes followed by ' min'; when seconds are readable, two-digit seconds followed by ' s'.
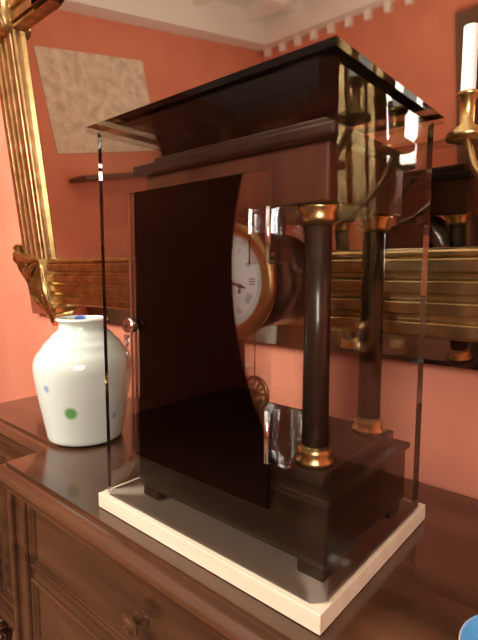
3 h 28 min
